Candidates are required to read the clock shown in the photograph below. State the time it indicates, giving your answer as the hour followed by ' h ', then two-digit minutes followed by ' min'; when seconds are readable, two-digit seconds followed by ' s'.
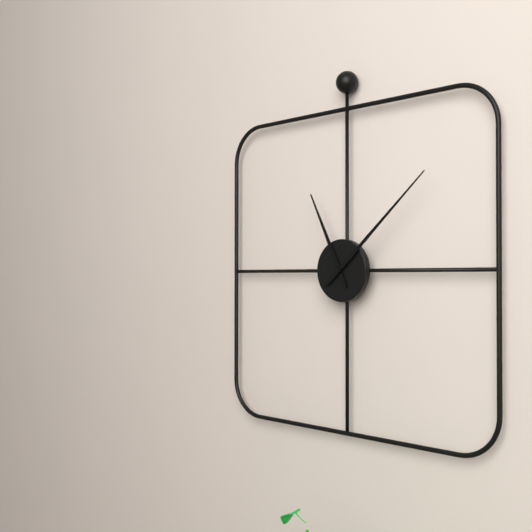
11 h 08 min
